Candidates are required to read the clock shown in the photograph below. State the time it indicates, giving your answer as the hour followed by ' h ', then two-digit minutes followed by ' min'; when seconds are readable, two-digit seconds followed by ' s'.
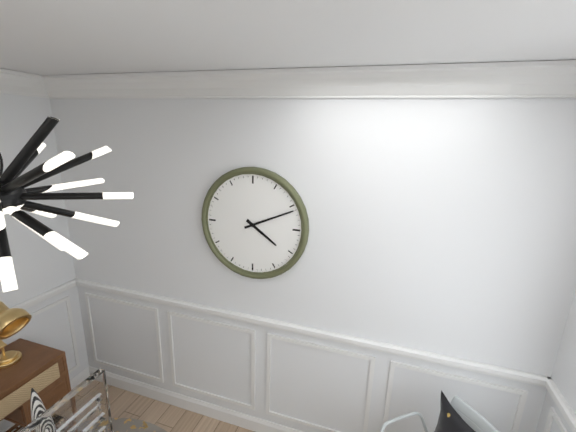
4 h 11 min
